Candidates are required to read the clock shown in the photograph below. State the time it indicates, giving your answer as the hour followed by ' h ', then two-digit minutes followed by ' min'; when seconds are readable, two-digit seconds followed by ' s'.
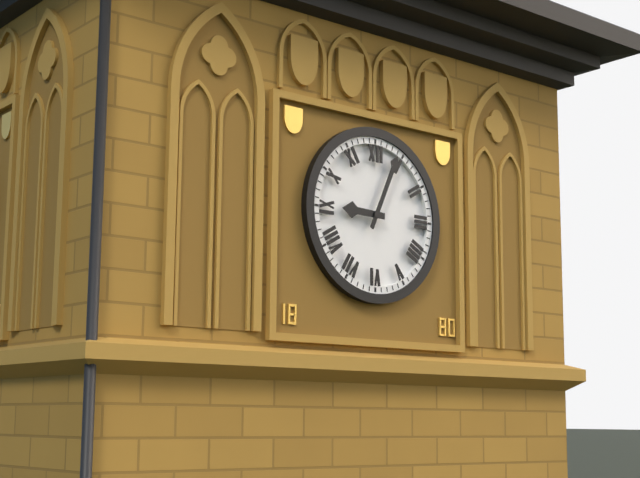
9 h 04 min
